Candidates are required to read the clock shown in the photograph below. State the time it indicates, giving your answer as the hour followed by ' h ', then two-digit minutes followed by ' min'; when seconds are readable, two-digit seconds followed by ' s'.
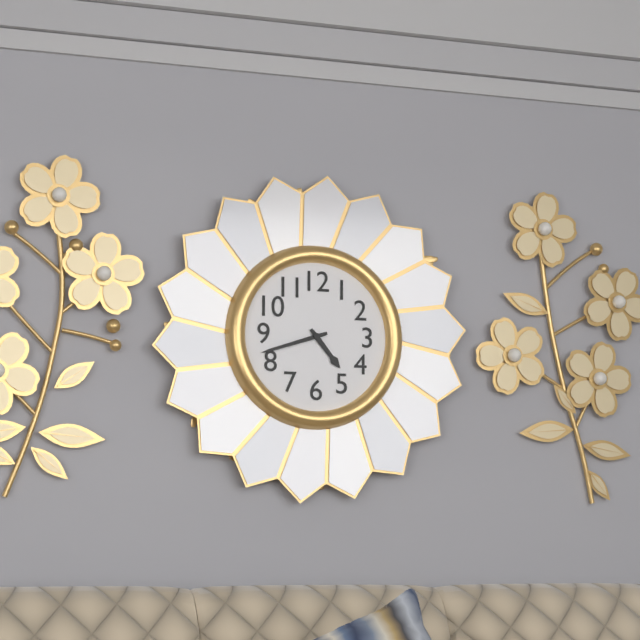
4 h 42 min
